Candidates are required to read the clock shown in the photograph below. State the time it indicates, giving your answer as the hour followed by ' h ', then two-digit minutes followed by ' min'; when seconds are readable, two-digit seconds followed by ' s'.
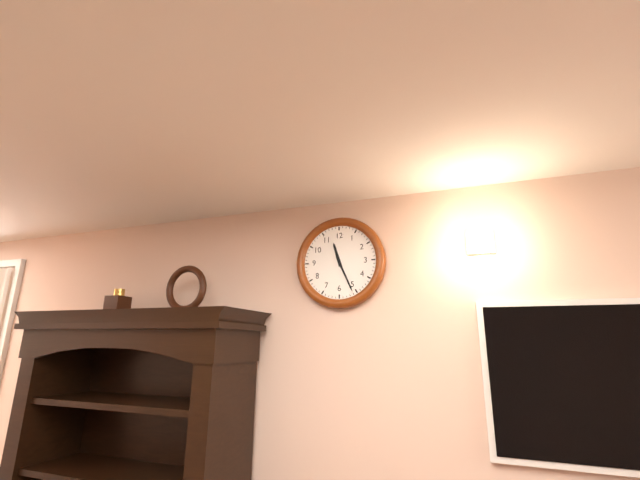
11 h 26 min
